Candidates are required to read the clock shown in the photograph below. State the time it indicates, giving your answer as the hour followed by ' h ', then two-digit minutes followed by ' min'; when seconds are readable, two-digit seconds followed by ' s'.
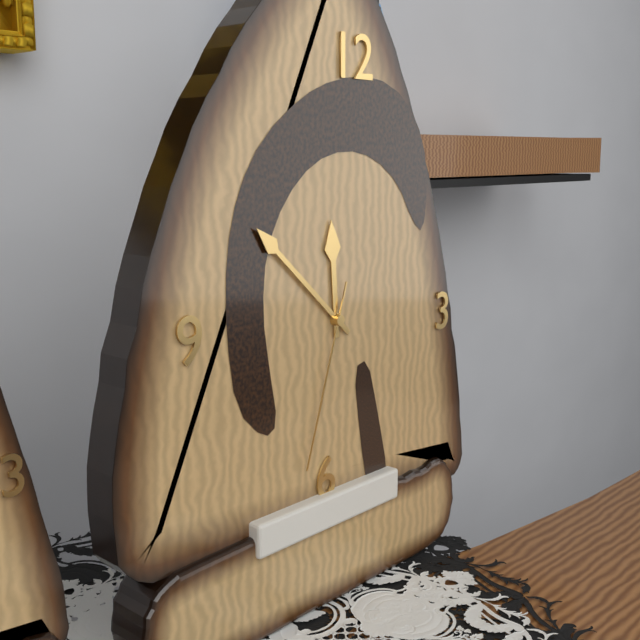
11 h 52 min 33 s
